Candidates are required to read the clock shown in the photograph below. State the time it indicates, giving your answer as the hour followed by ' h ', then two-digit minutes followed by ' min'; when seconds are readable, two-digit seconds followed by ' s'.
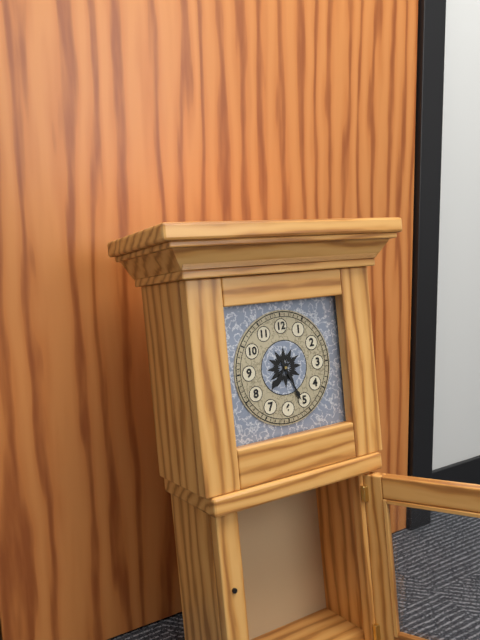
7 h 26 min
